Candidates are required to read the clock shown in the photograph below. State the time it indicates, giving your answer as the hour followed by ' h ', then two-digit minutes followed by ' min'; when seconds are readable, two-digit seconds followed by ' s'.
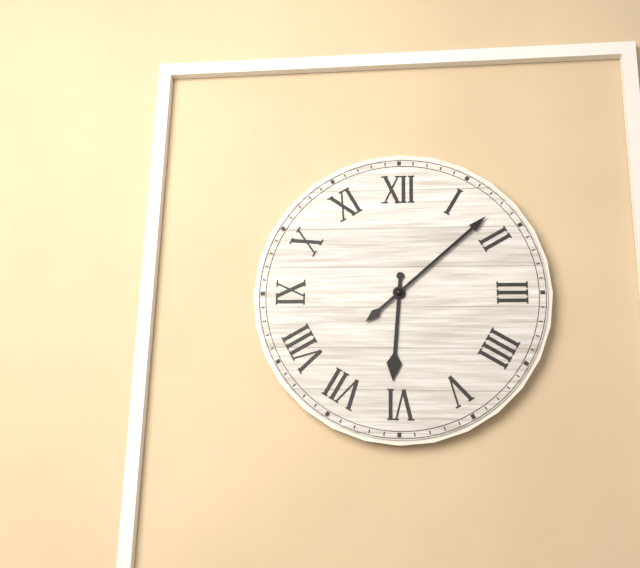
6 h 08 min
